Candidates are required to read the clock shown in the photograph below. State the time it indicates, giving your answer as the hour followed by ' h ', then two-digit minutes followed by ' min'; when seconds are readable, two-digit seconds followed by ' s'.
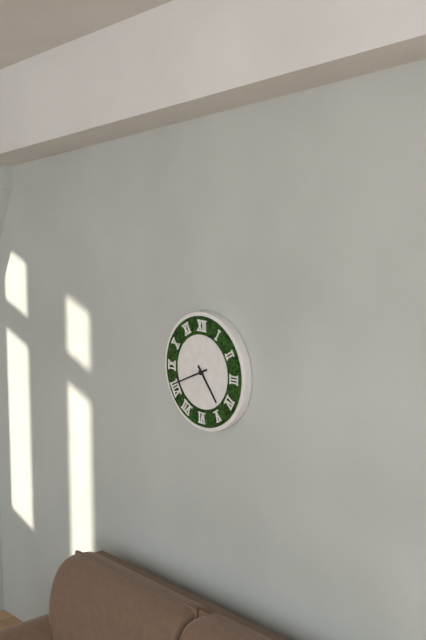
4 h 41 min
